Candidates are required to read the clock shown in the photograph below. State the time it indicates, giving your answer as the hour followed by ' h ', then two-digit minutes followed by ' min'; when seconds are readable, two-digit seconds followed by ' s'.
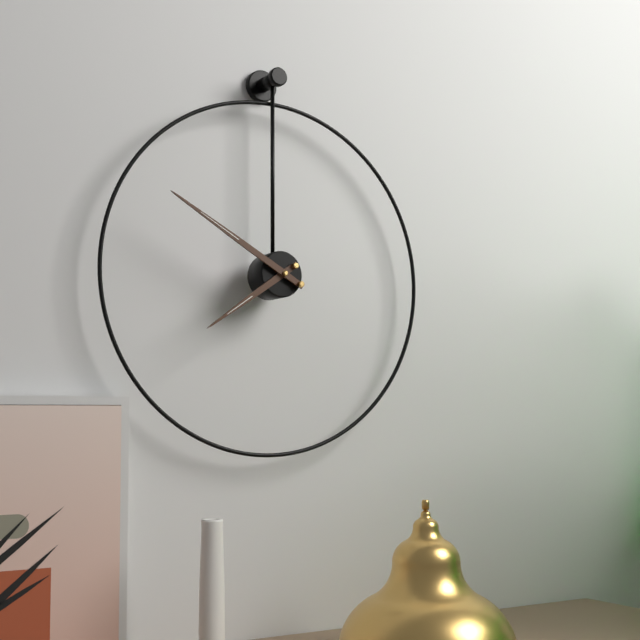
7 h 50 min
